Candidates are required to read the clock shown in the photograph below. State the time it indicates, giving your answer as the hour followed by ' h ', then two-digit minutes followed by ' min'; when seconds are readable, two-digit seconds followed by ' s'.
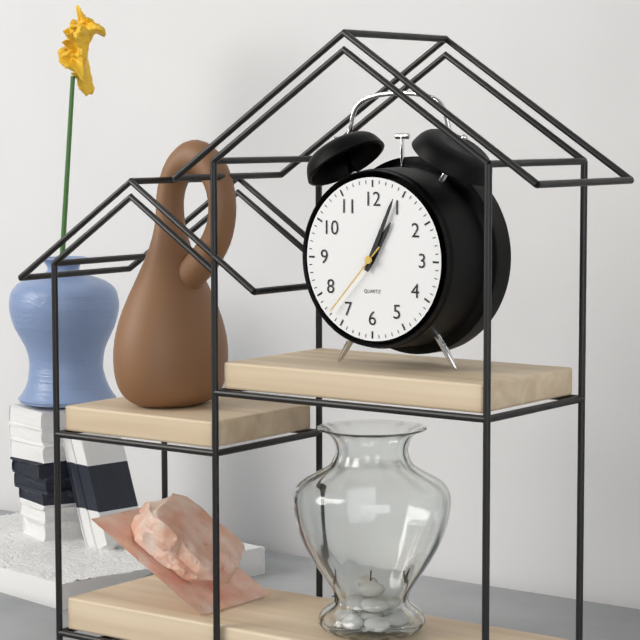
1 h 04 min 37 s
